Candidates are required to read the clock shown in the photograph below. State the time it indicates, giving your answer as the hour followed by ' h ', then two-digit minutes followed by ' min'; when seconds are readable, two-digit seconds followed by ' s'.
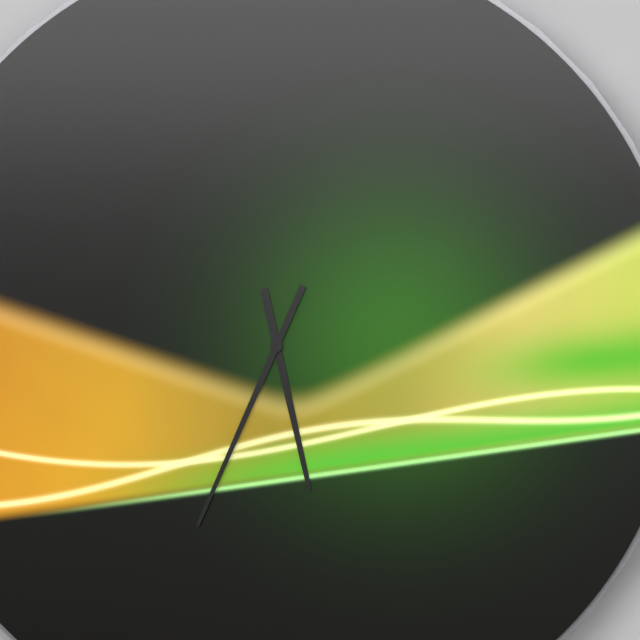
5 h 34 min
